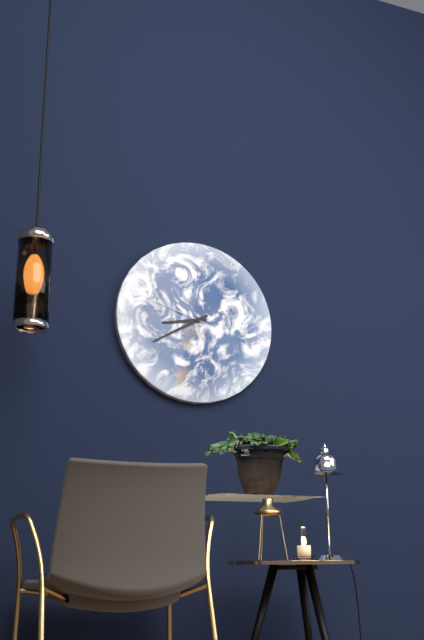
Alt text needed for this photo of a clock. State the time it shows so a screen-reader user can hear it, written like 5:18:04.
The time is 8:40:48
